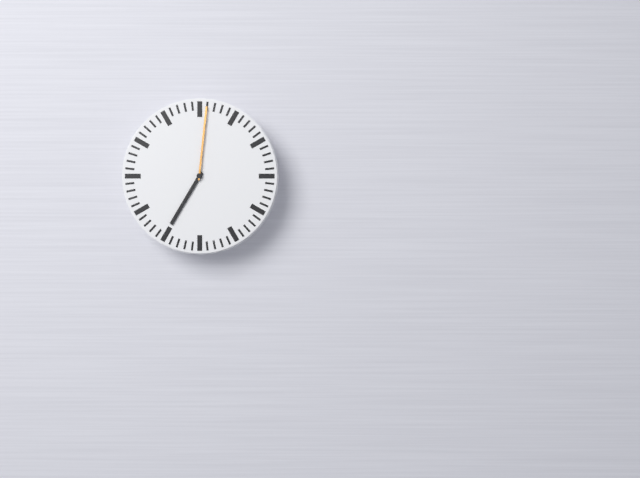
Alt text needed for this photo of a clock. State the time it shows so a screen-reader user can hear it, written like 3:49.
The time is 7:01
